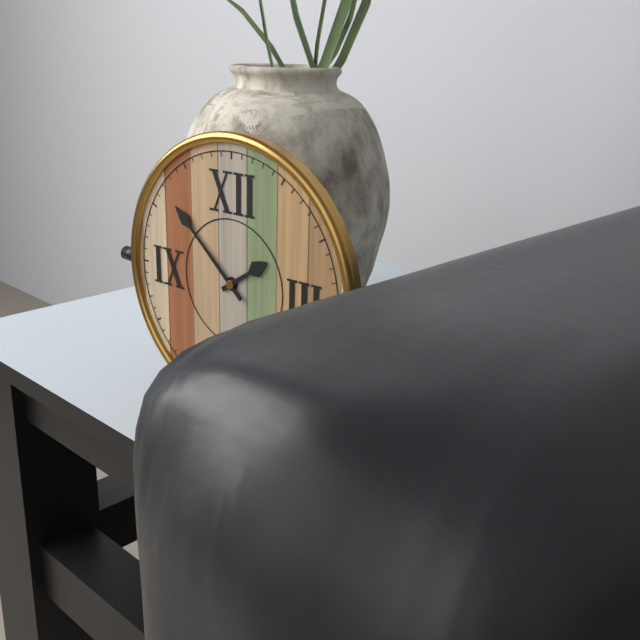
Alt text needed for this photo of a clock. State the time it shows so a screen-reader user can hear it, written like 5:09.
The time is 1:52
